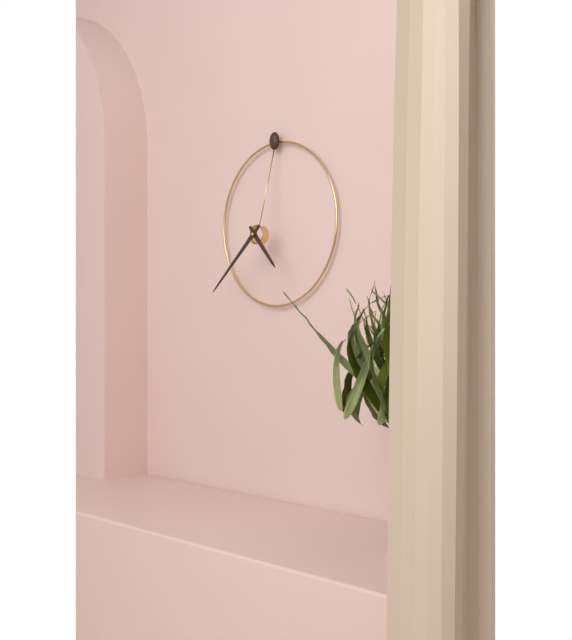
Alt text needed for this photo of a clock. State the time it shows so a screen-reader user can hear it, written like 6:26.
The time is 4:38
